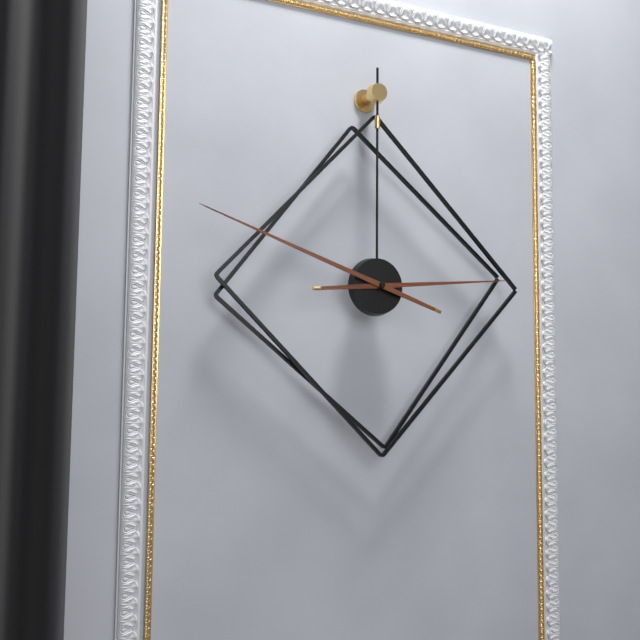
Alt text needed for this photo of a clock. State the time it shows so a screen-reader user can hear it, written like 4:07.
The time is 2:48
